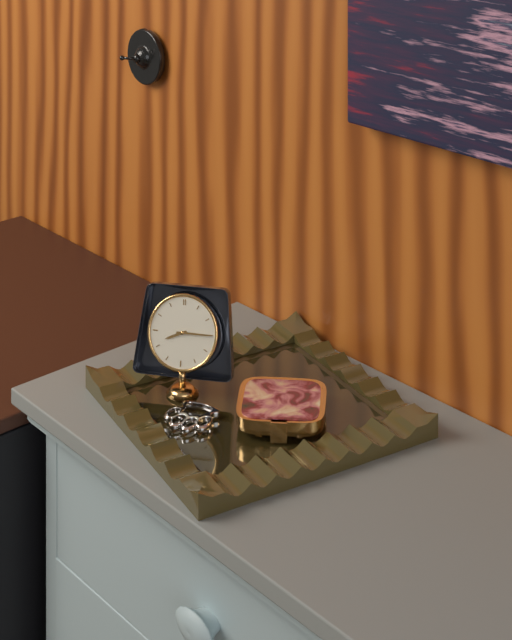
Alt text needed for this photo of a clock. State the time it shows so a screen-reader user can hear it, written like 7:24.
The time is 8:15
